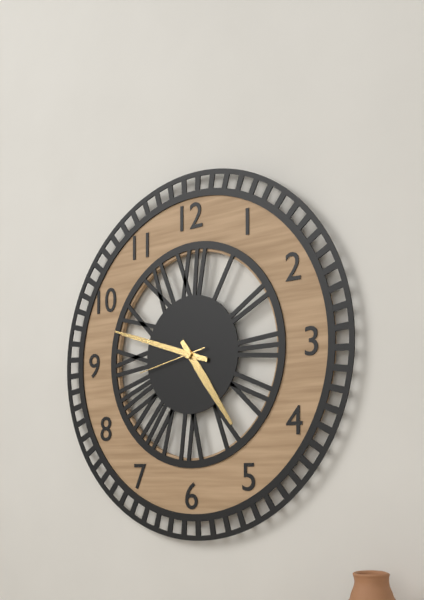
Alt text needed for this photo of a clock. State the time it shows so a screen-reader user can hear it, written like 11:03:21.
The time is 4:48:43
